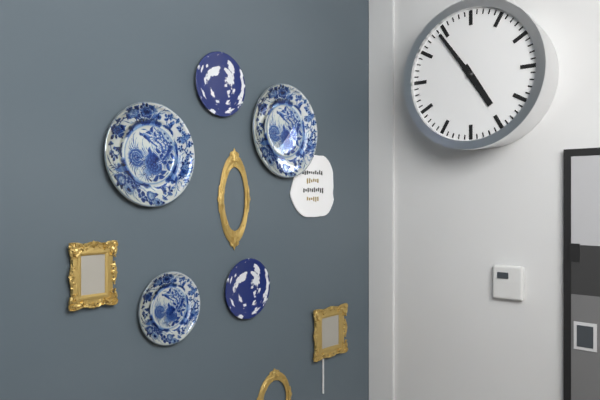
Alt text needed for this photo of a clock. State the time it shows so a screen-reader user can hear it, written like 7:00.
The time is 4:54
